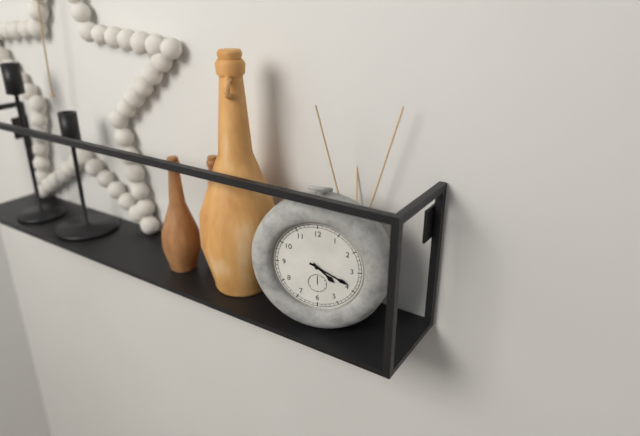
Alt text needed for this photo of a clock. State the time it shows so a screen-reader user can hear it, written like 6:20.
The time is 4:19
